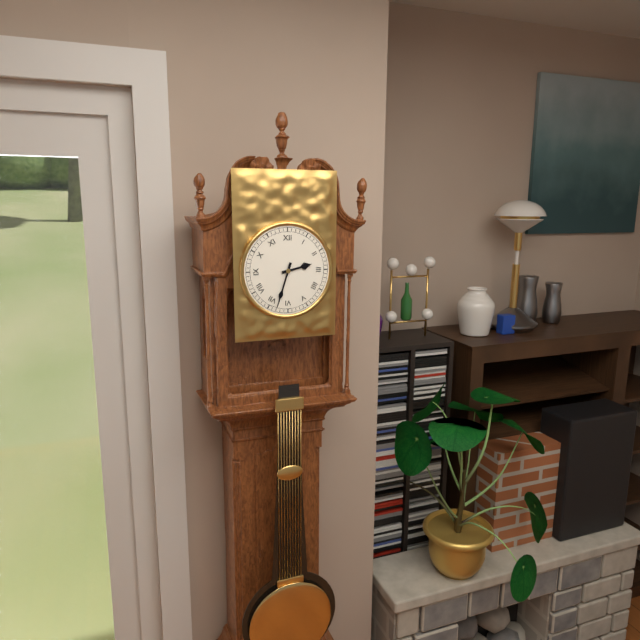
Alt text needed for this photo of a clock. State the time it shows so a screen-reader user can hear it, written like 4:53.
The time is 2:33
